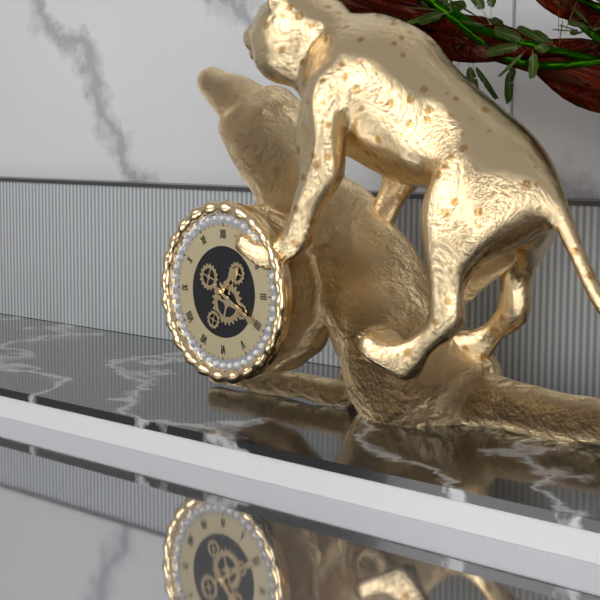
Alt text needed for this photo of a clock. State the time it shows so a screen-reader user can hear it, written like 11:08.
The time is 1:20
